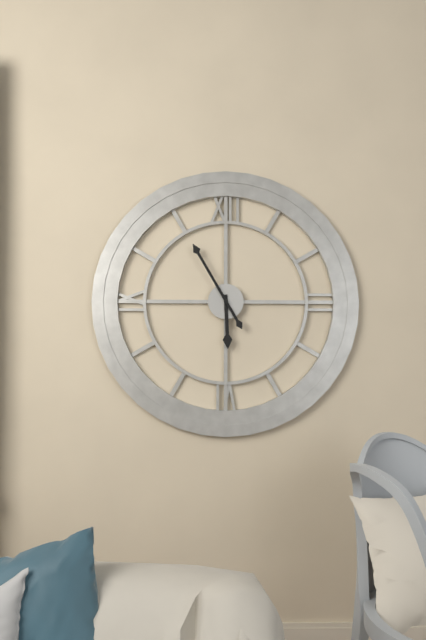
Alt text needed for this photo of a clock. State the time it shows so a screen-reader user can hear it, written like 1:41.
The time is 5:55
